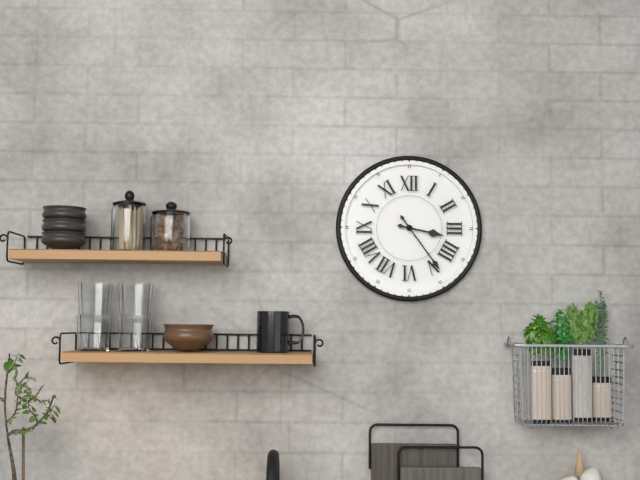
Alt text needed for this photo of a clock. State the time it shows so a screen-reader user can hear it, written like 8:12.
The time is 3:24
